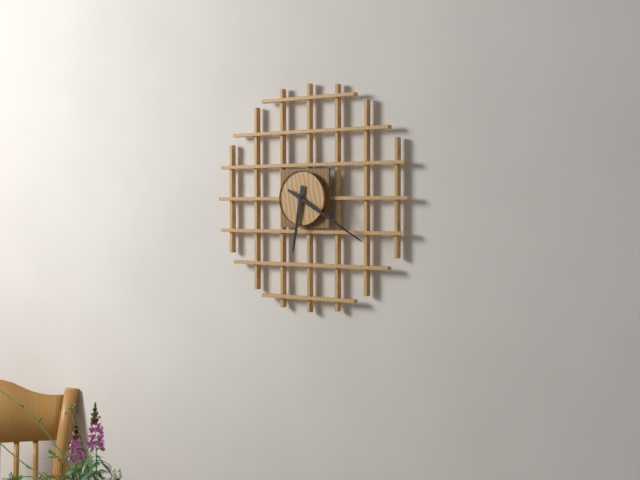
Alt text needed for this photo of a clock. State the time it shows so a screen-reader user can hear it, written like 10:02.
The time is 6:20
